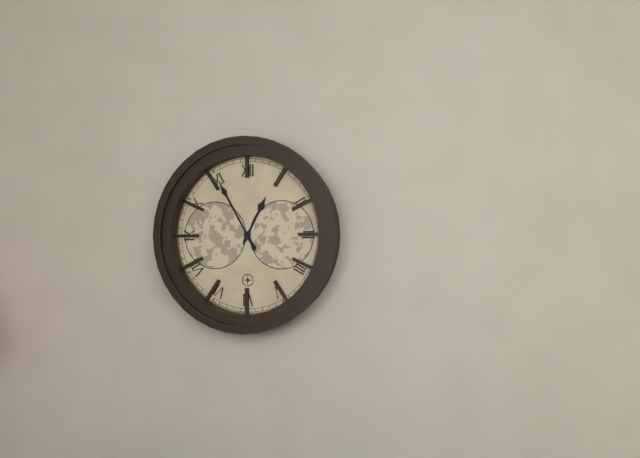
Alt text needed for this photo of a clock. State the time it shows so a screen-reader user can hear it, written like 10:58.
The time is 12:55
